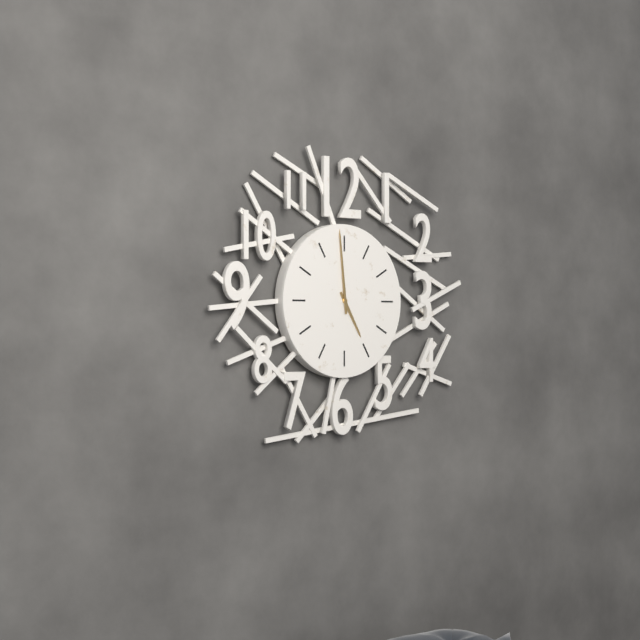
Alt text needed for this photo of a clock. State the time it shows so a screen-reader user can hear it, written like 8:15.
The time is 4:59
